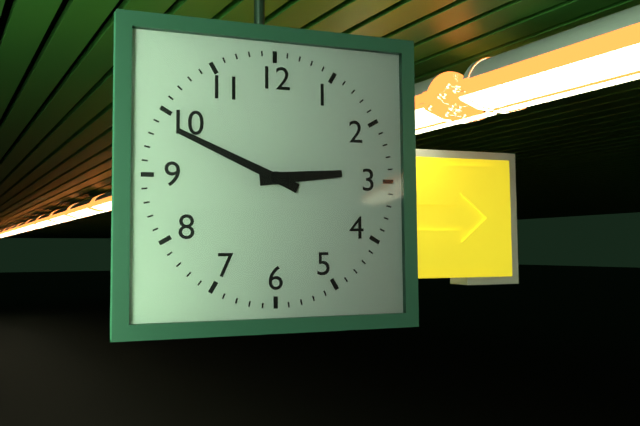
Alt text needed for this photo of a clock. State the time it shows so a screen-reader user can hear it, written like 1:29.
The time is 2:49
